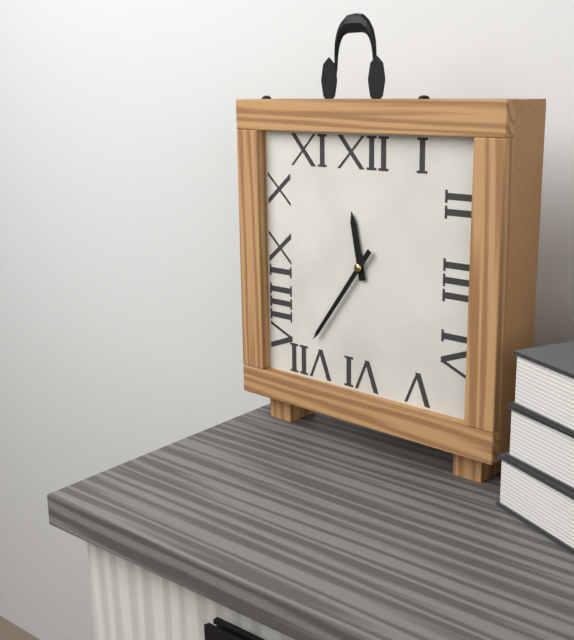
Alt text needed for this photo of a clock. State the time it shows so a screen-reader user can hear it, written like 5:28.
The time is 11:36
